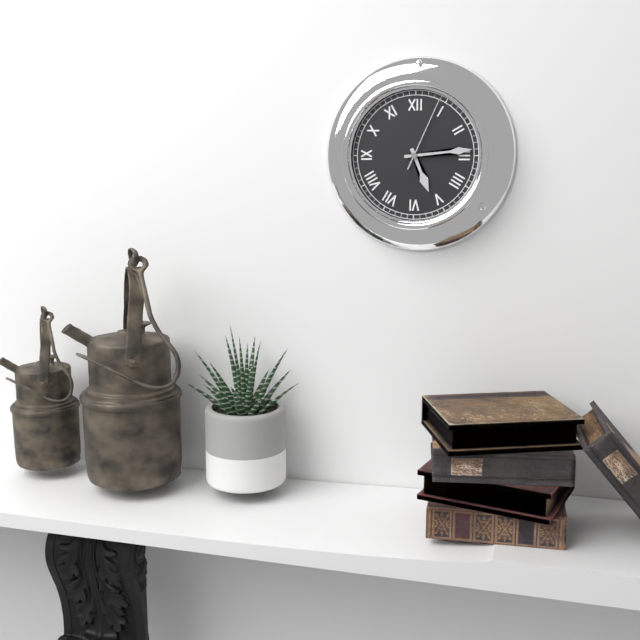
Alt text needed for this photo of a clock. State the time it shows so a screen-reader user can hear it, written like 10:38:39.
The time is 5:14:04
